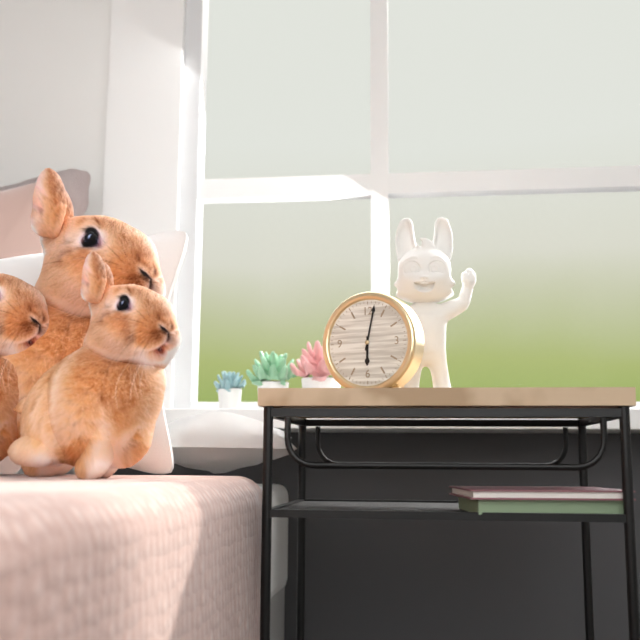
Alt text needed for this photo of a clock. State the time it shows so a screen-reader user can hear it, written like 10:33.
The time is 6:02
